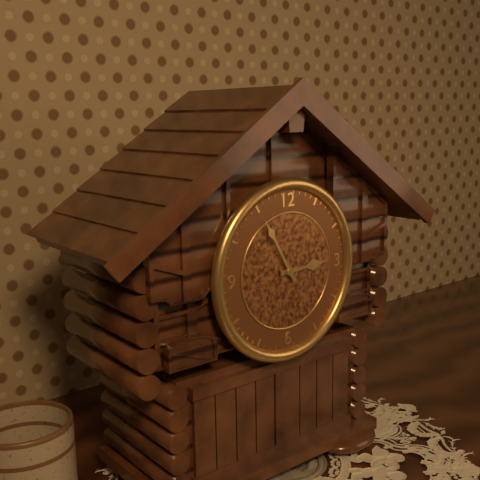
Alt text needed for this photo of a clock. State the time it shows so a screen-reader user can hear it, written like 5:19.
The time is 2:55
